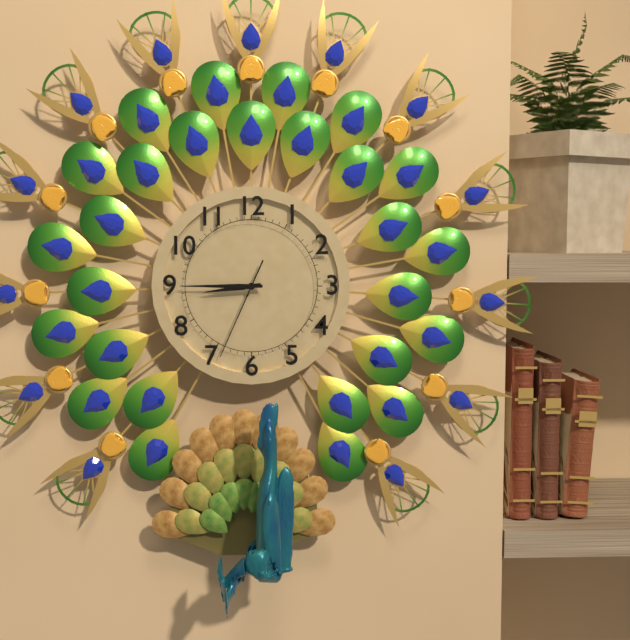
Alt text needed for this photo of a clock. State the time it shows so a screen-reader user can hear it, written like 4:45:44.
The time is 8:45:34
